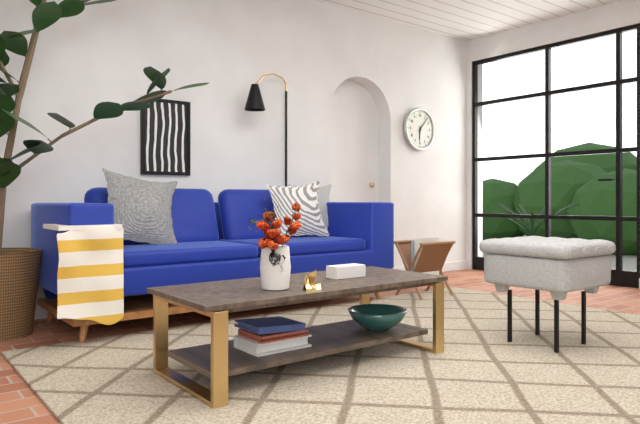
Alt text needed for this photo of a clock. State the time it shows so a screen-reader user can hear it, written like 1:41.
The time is 6:07
